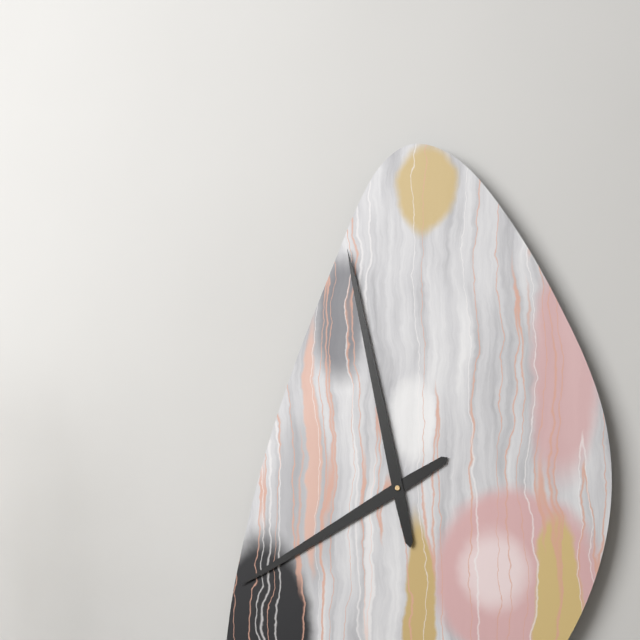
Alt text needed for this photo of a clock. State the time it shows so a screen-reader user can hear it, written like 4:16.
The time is 7:58
